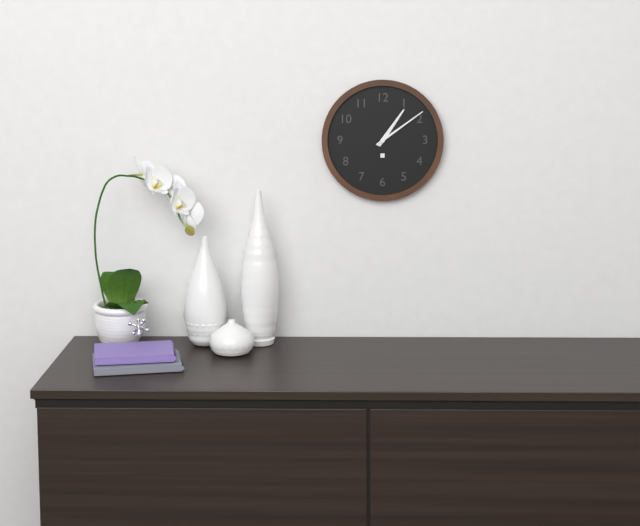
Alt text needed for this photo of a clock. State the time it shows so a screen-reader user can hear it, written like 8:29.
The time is 1:09
